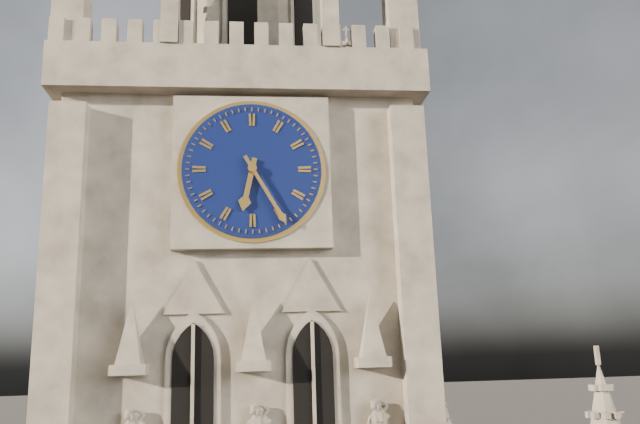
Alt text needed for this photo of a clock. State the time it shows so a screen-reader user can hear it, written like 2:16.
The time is 6:25
